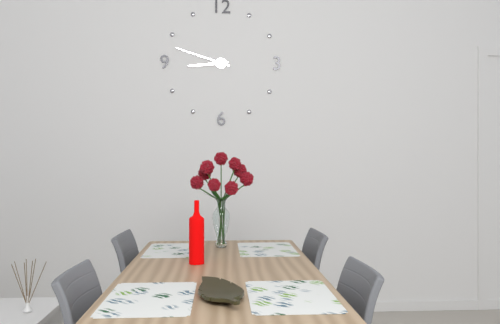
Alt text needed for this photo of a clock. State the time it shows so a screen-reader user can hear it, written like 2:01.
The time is 8:48
